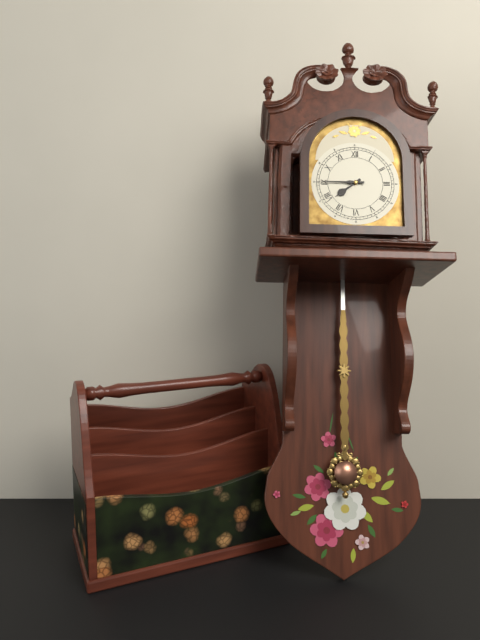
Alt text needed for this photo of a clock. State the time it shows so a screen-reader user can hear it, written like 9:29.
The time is 7:45
